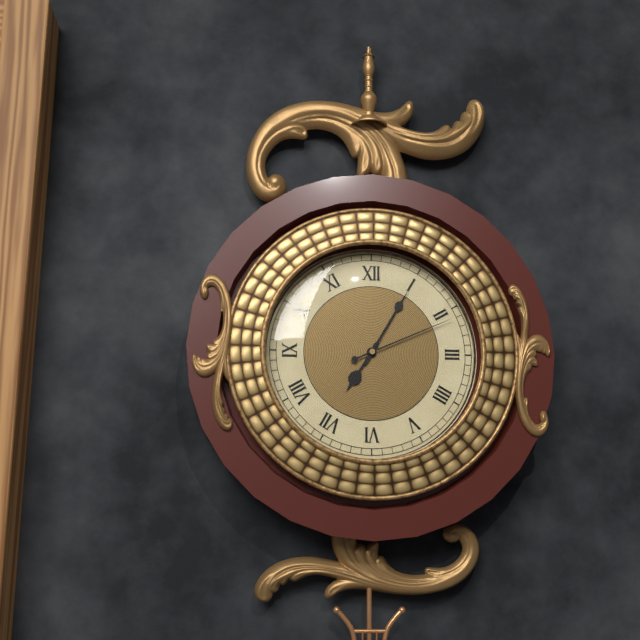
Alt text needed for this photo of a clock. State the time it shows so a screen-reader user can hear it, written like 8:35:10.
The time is 7:05:11
